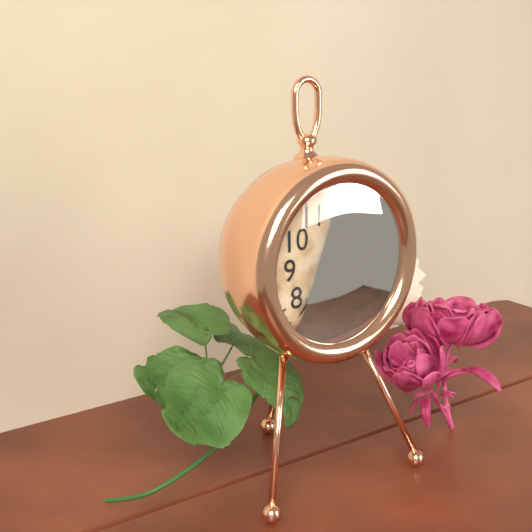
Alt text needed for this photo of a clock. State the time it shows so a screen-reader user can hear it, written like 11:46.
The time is 1:38
